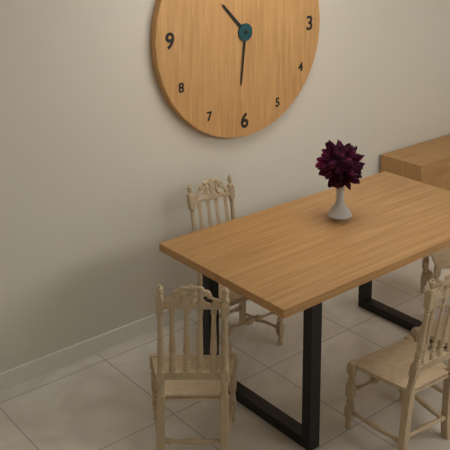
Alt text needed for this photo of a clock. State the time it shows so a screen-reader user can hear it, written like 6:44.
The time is 10:31
